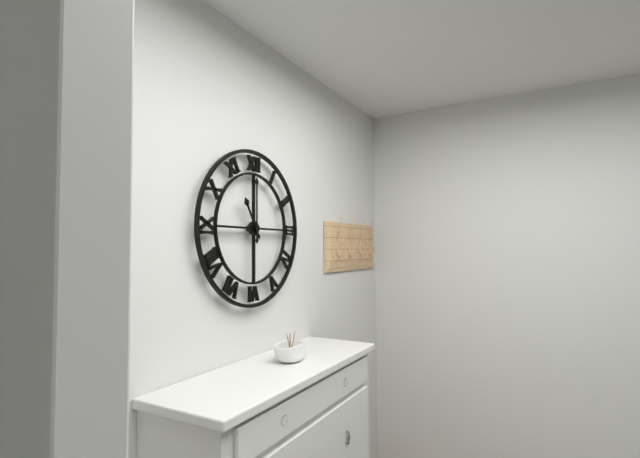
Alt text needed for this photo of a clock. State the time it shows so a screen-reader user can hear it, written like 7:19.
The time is 11:00
